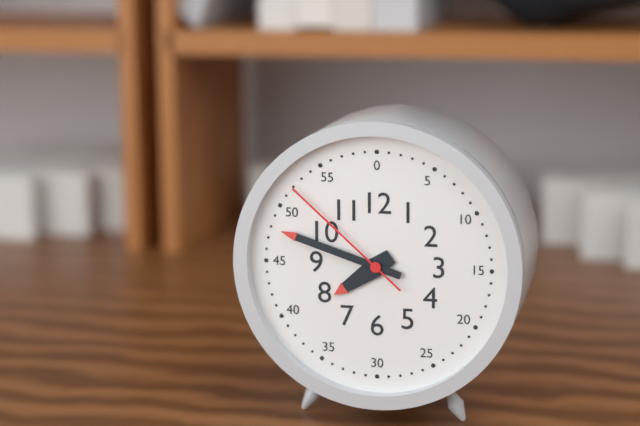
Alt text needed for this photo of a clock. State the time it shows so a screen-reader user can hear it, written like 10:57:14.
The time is 7:48:52
